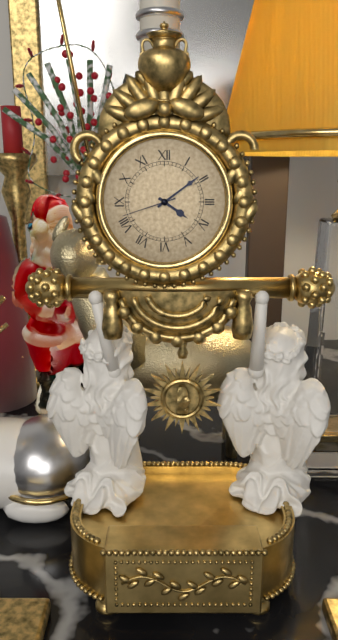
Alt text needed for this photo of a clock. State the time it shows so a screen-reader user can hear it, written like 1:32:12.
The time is 4:09:42
